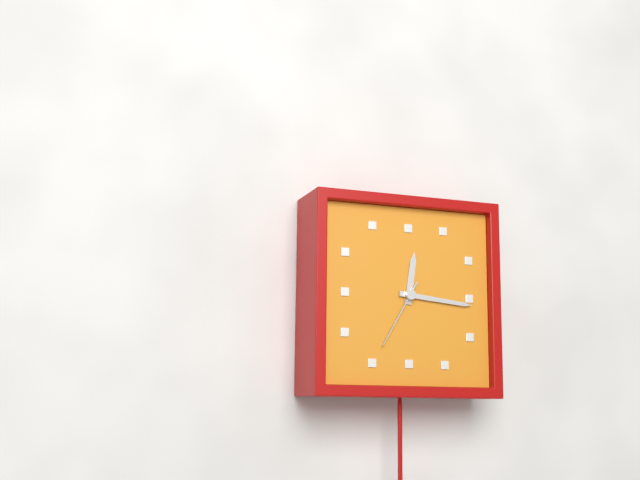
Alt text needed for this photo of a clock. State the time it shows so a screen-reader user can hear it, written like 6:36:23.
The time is 12:16:35
